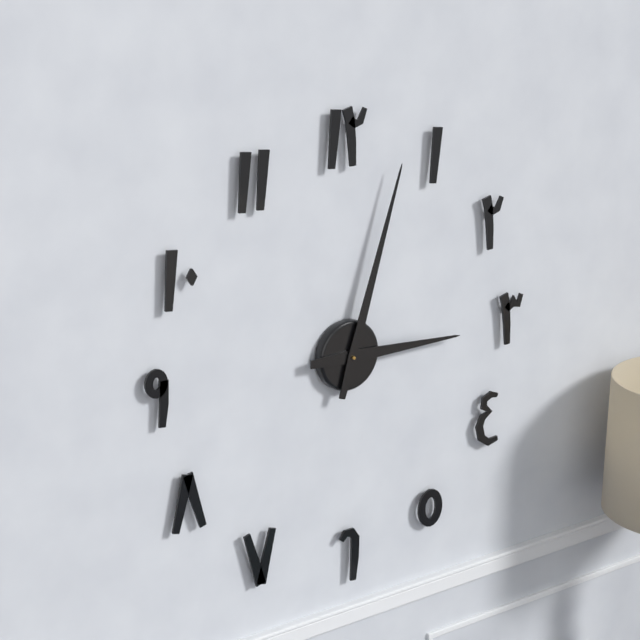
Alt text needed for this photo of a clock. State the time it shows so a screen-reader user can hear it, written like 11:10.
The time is 3:03
